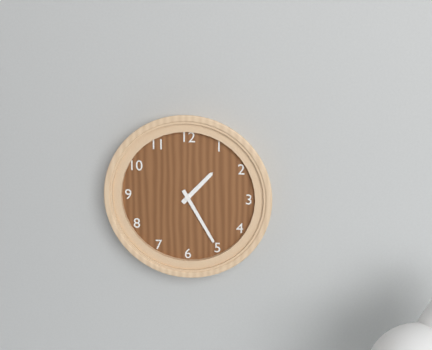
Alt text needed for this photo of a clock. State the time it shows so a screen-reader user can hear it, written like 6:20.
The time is 1:25
